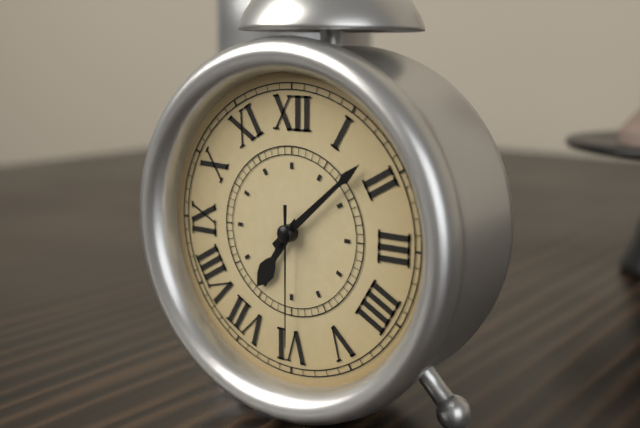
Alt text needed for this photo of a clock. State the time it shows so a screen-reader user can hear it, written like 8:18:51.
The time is 7:08:30
